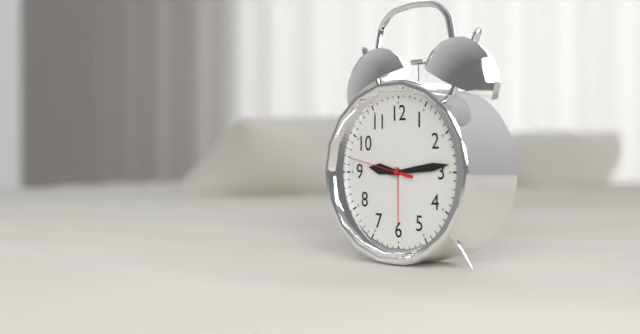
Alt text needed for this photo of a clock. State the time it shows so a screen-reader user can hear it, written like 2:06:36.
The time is 9:14:47
